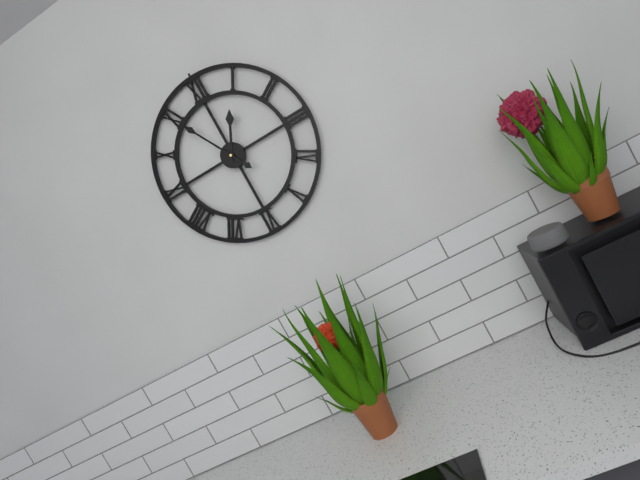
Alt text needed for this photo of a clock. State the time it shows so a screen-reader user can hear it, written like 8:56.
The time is 12:55
